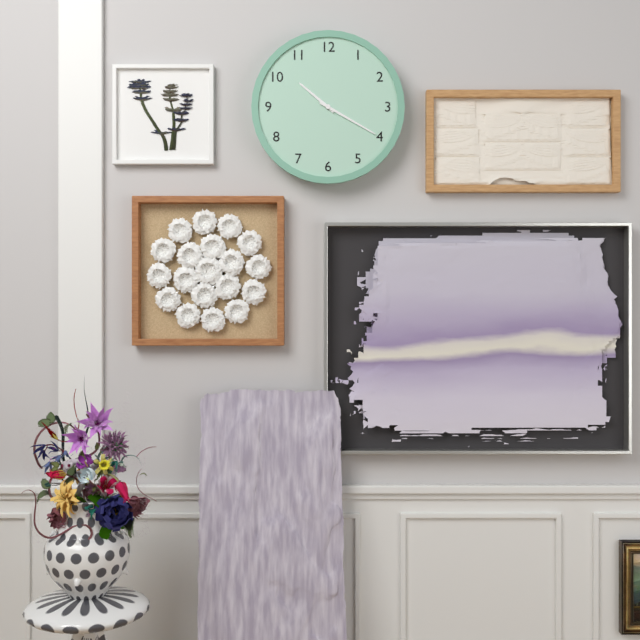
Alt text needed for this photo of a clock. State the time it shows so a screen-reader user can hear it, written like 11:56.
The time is 10:20
